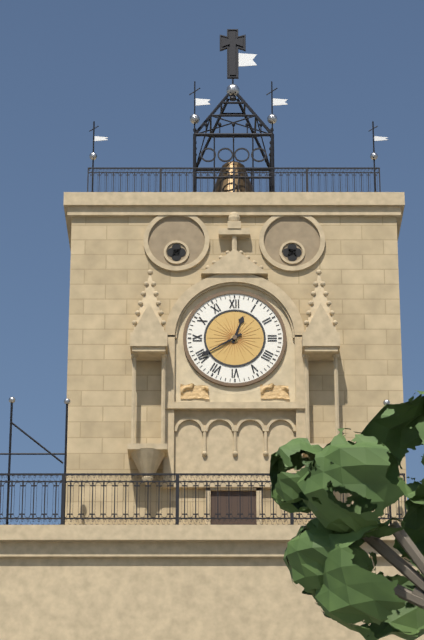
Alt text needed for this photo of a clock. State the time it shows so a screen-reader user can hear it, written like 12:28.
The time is 12:40
